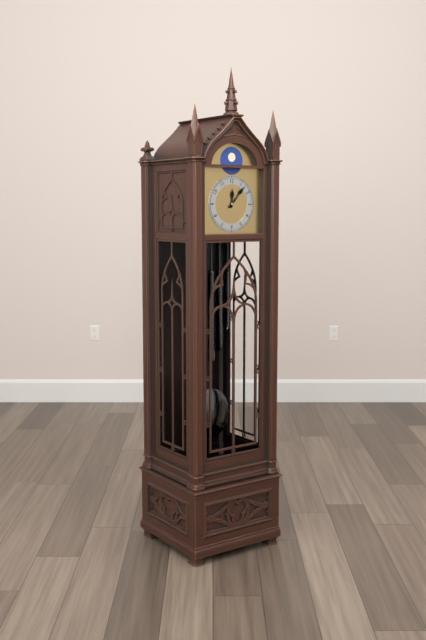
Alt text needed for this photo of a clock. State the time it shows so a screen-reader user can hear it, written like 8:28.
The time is 12:07
